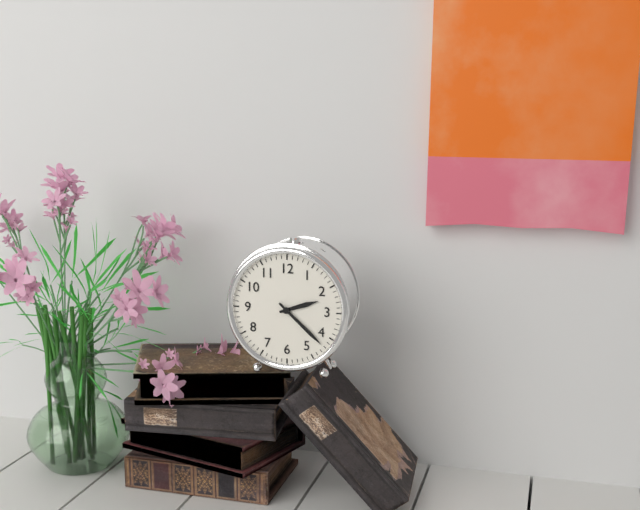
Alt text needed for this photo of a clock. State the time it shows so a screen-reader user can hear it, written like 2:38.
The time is 2:22
